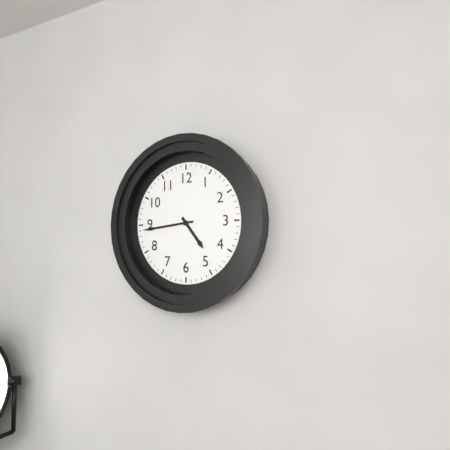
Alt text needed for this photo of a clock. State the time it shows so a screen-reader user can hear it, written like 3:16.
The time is 4:44
